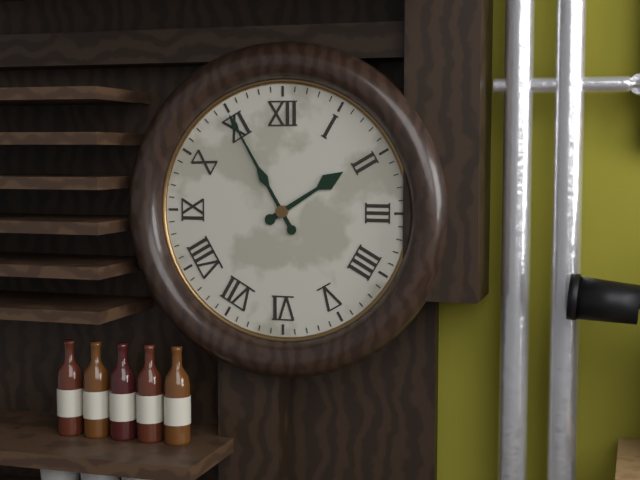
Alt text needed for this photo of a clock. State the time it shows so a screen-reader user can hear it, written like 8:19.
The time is 1:55
